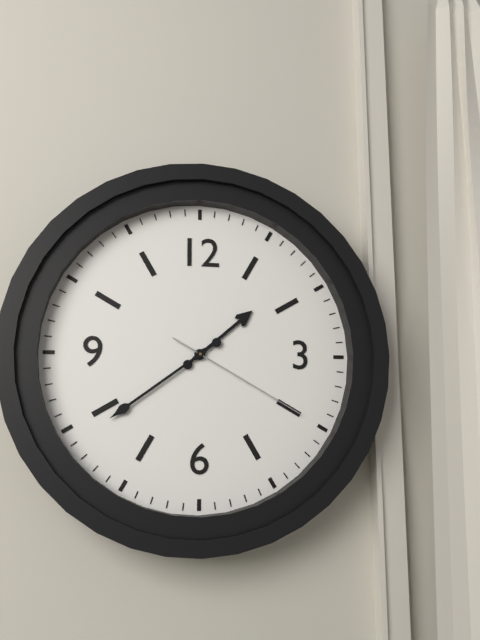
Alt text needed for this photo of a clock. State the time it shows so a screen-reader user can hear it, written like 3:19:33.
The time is 1:39:20
